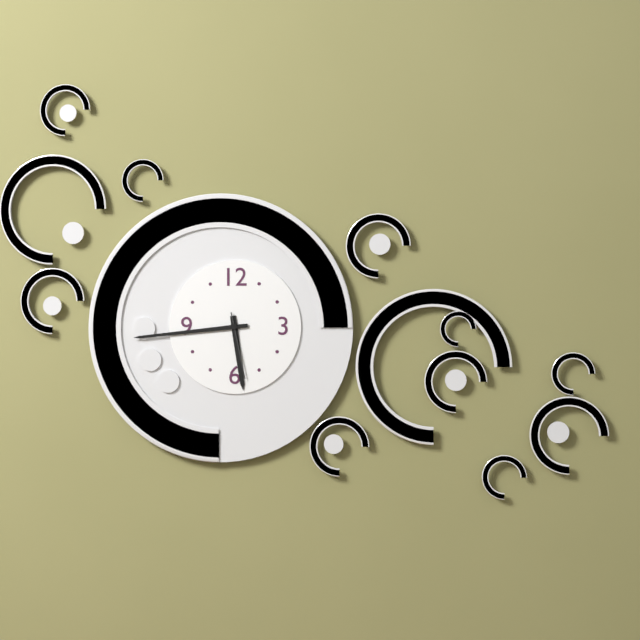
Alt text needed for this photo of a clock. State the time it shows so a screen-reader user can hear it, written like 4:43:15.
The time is 5:44:28
